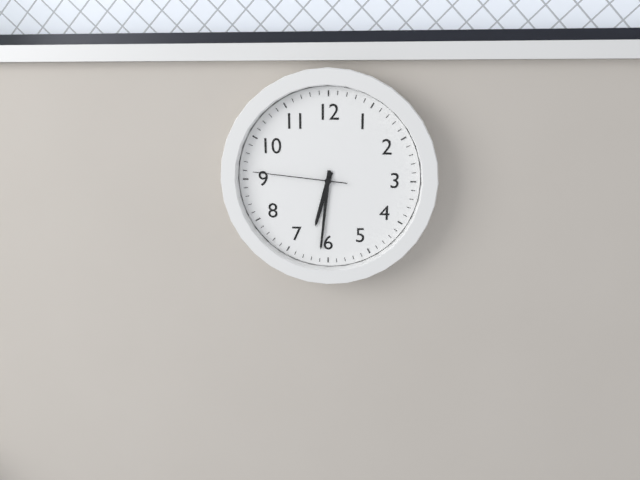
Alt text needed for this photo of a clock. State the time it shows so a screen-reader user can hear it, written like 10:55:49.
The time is 6:31:46
